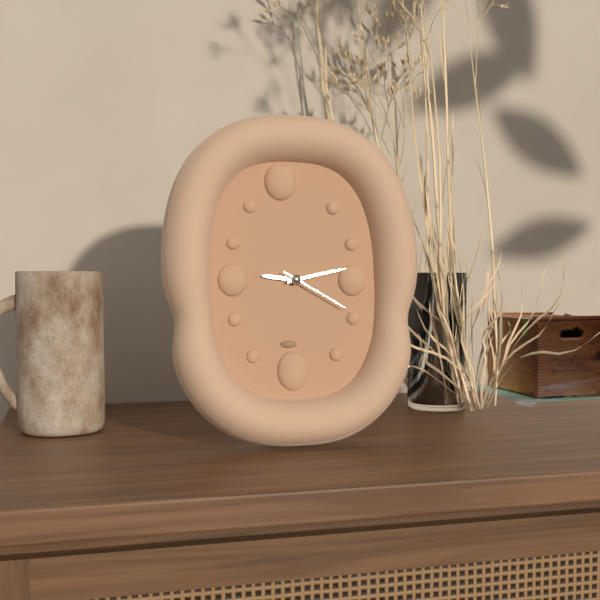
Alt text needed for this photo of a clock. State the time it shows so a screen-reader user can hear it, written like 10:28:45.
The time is 9:13:20
